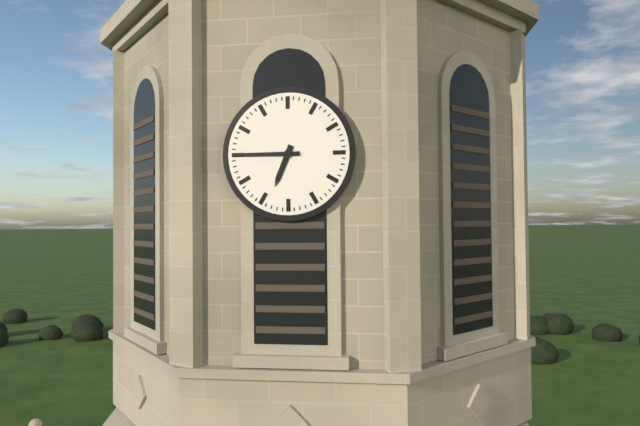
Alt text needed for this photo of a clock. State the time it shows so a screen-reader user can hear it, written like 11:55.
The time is 6:45
